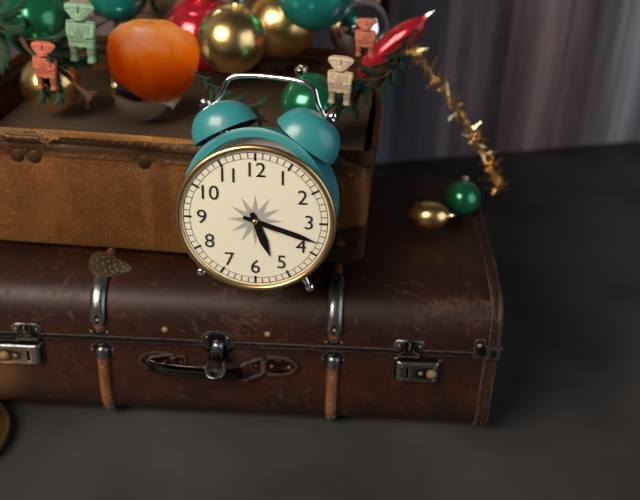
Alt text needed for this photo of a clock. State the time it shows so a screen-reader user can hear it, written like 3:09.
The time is 5:18
